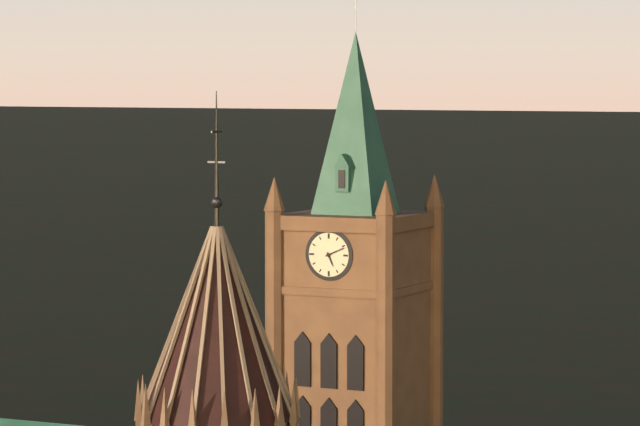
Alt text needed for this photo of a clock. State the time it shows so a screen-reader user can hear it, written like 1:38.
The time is 5:11
